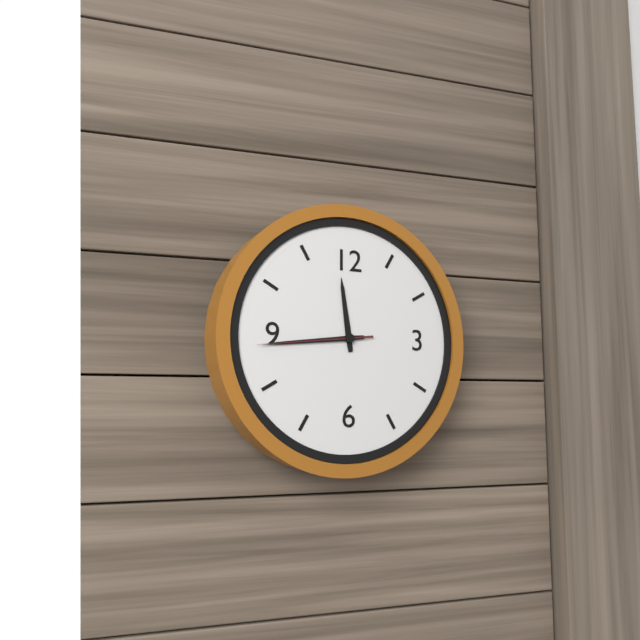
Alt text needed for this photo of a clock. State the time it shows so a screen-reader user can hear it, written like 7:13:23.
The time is 11:44:44
